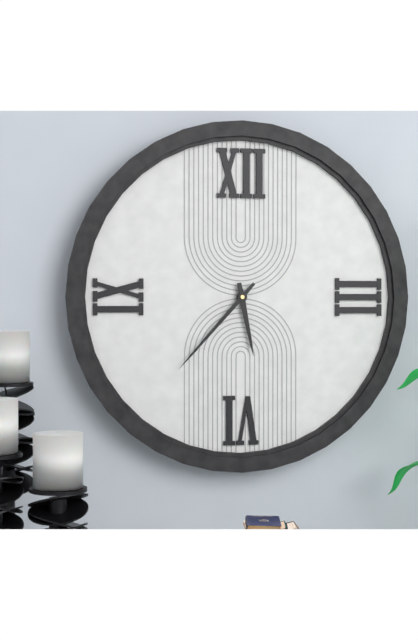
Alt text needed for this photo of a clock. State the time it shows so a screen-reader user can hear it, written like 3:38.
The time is 5:37
